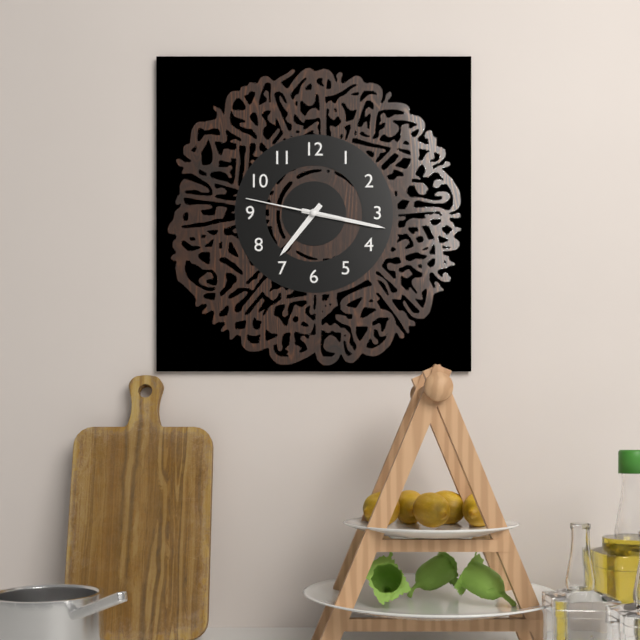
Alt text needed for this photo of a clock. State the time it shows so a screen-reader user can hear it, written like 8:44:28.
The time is 7:17:47
